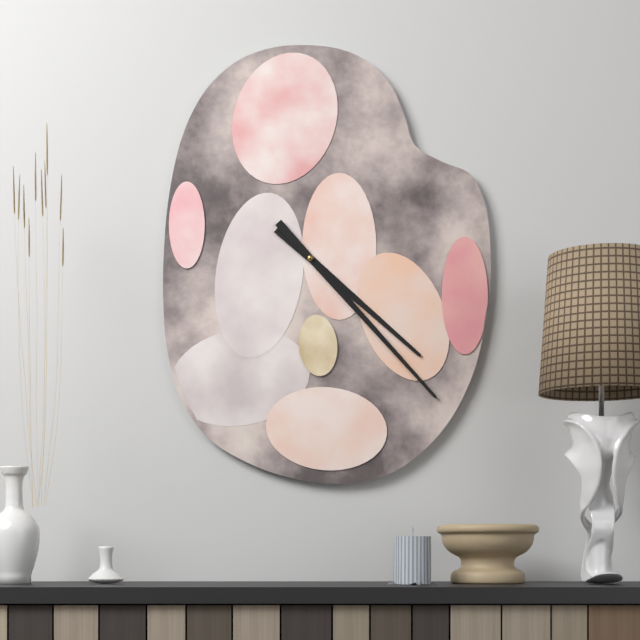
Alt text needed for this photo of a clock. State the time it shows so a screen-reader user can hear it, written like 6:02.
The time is 4:23
